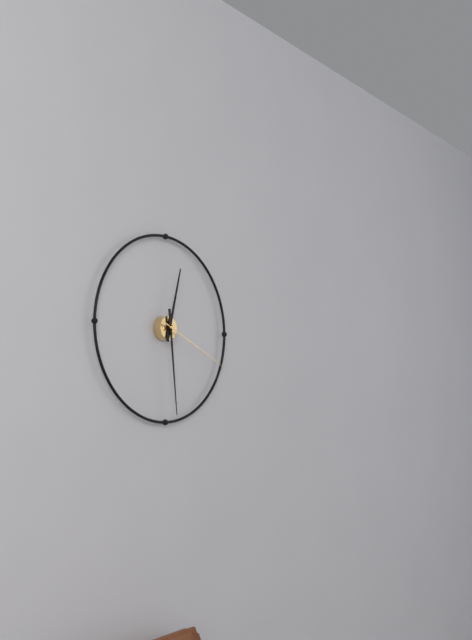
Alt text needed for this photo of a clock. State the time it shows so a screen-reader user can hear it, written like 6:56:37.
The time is 12:29:19
